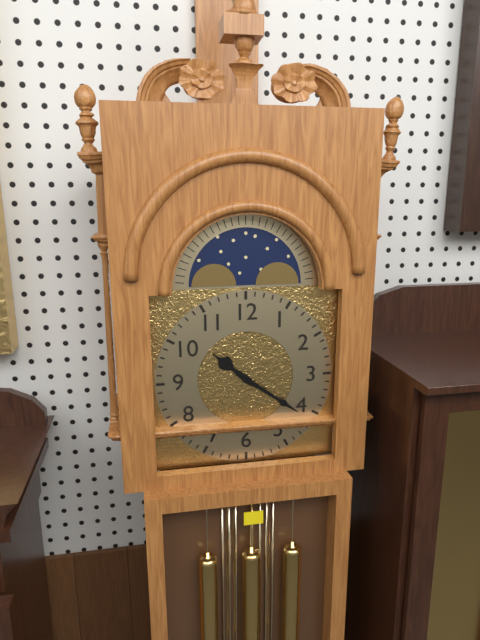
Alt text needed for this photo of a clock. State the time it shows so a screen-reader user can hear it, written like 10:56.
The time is 10:21
